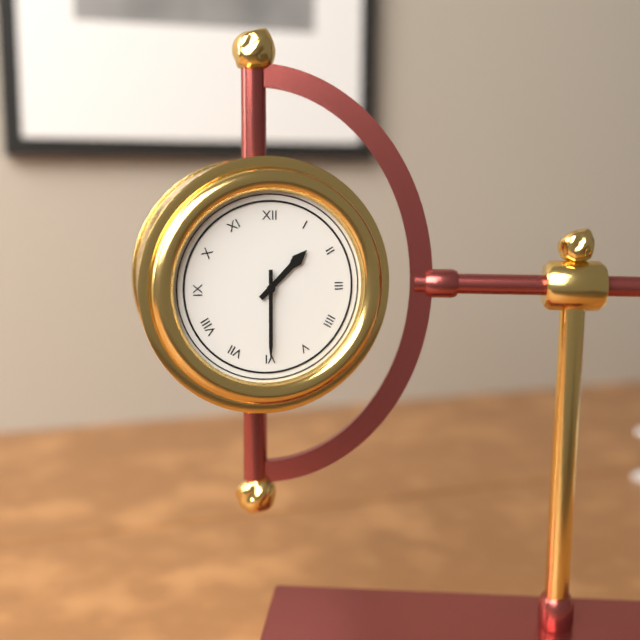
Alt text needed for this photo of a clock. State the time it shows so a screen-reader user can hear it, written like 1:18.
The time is 1:30
